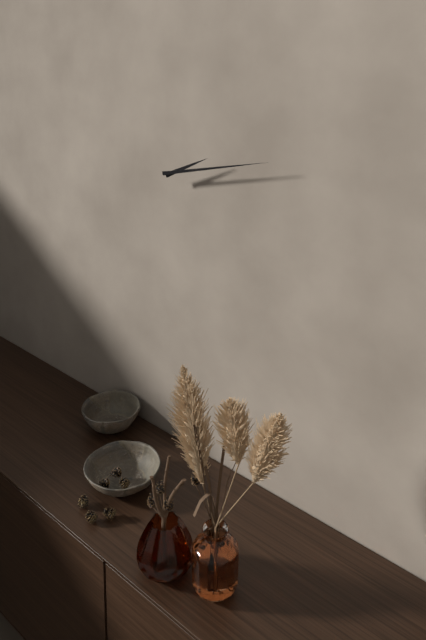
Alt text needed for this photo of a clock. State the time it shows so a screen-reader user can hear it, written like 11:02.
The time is 2:13
